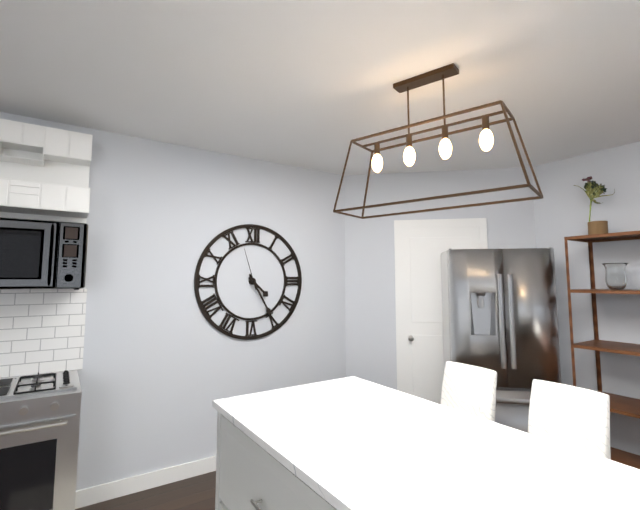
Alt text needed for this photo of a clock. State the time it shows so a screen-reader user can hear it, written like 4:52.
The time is 4:25
